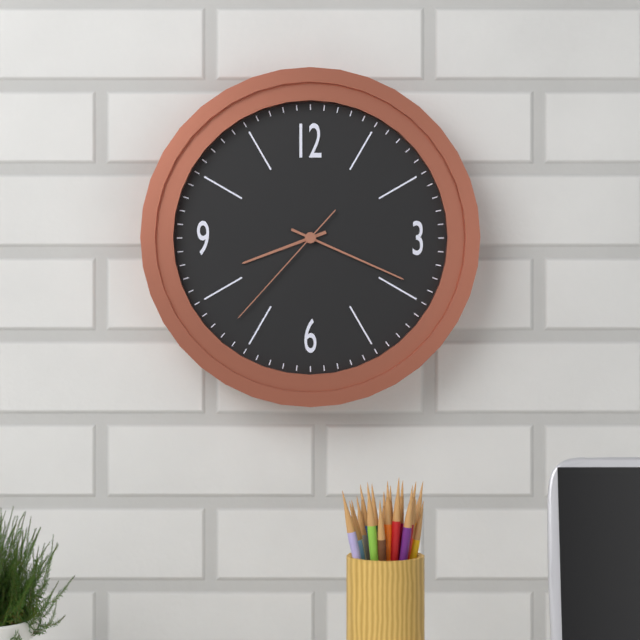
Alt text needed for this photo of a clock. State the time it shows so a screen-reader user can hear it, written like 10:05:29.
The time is 8:19:37
